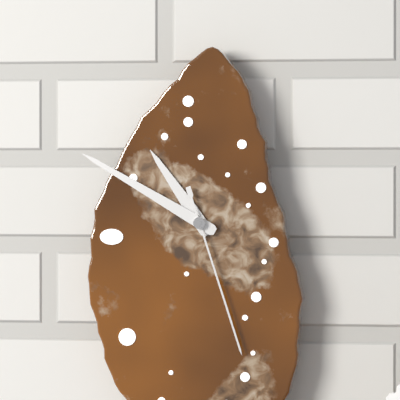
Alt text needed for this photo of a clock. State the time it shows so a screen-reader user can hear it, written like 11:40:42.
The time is 10:50:27
